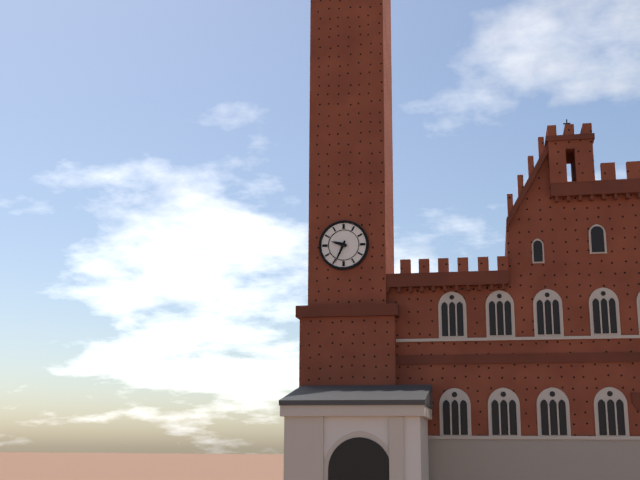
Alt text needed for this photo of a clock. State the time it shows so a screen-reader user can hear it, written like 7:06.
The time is 9:34
